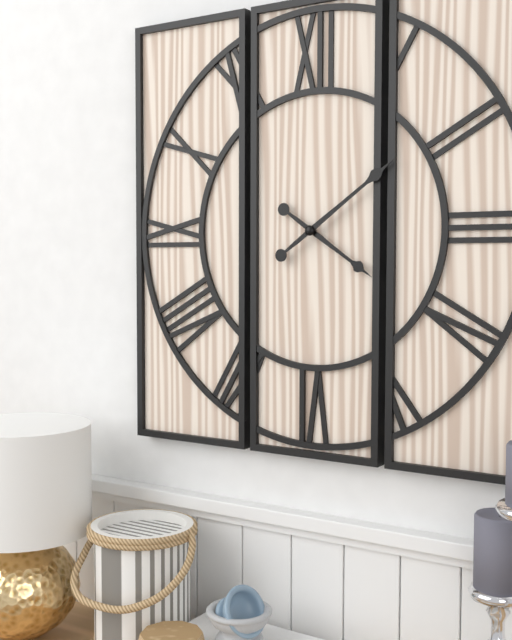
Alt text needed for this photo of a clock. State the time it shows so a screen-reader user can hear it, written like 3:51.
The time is 4:09
